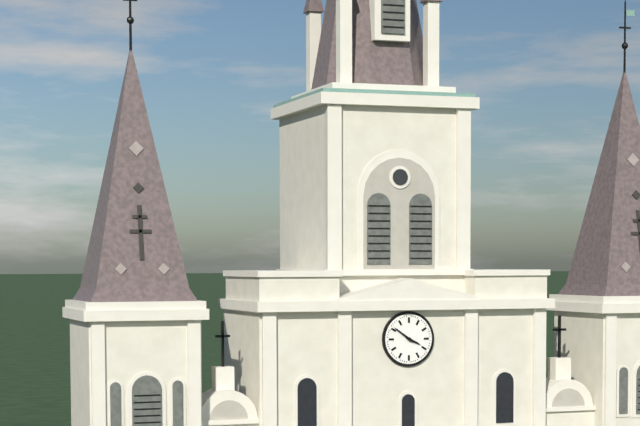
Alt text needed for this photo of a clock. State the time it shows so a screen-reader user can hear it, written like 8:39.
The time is 3:51
